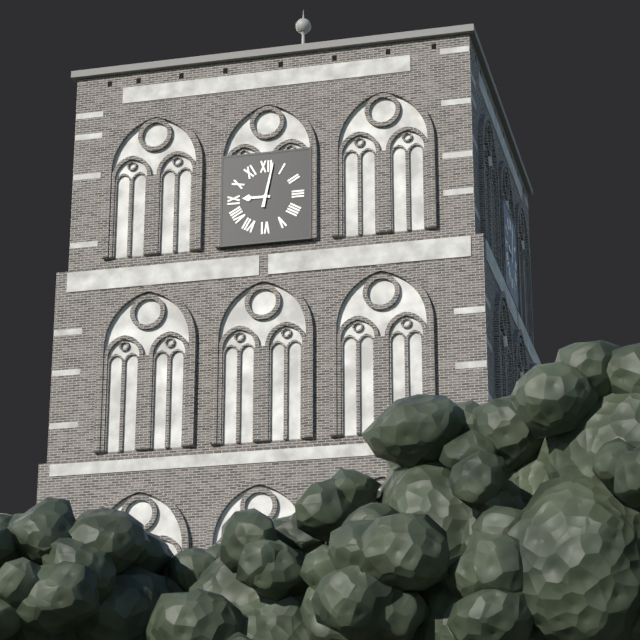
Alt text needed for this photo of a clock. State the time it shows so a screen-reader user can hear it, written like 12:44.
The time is 9:02
